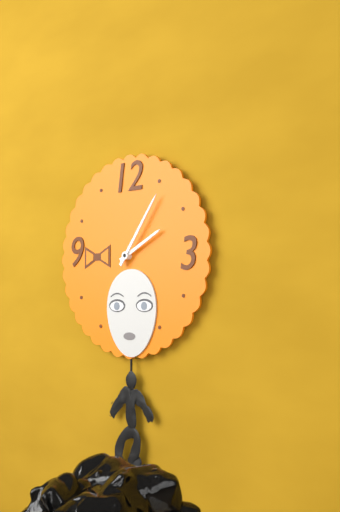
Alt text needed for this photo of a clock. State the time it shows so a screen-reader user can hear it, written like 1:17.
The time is 2:06
